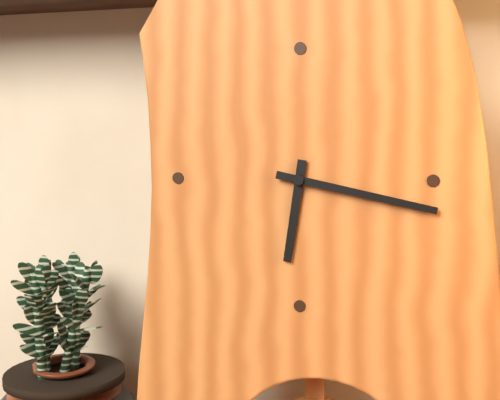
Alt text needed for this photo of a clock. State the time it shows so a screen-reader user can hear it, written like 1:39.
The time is 6:17
